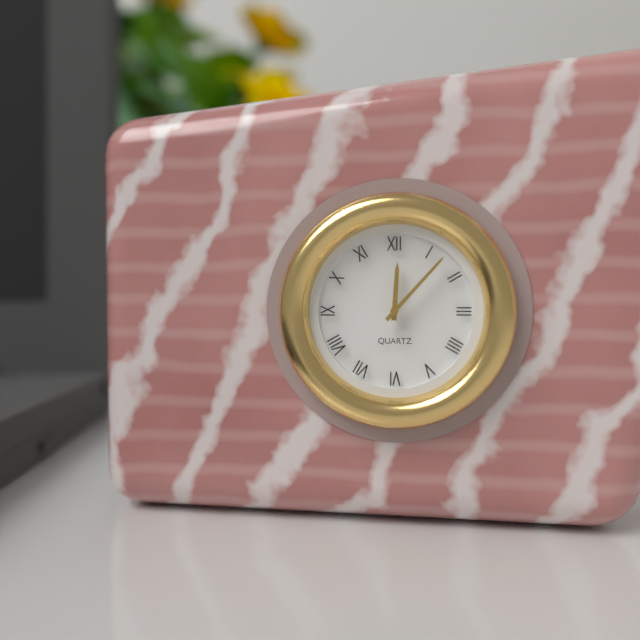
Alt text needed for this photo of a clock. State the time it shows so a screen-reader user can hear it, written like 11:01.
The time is 12:07
